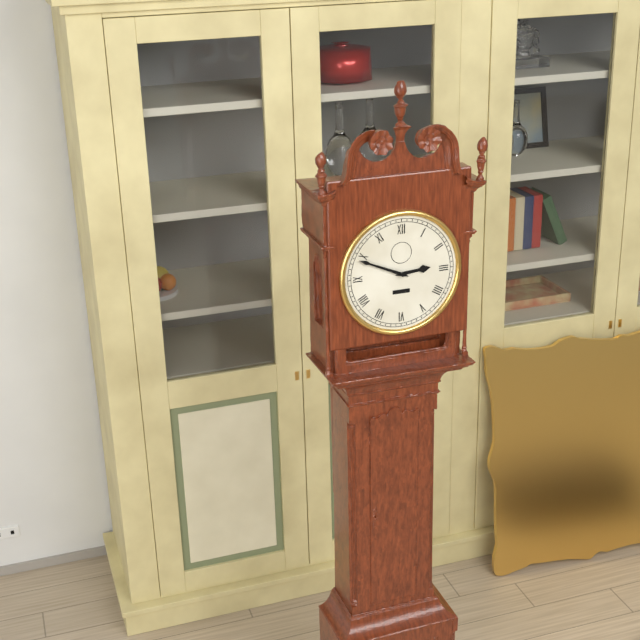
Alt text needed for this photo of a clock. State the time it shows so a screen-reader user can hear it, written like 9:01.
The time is 2:49
